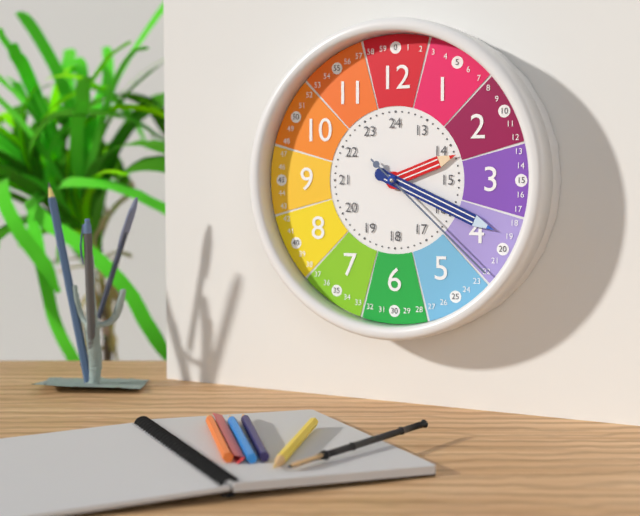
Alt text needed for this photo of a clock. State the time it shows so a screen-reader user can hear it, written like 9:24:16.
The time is 2:19:22
